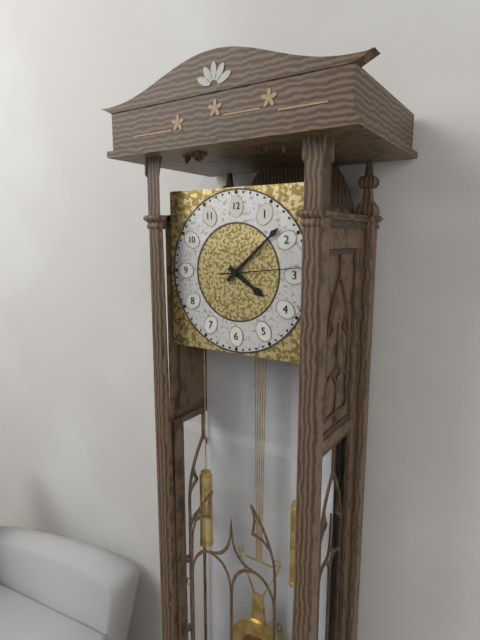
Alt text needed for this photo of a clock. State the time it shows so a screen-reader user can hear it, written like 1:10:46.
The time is 4:08:14
